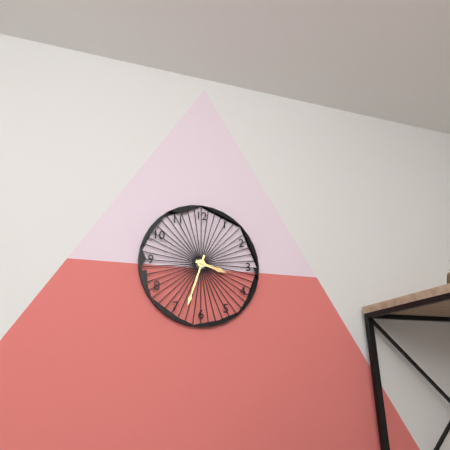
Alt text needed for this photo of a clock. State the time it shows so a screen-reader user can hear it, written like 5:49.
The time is 3:33
